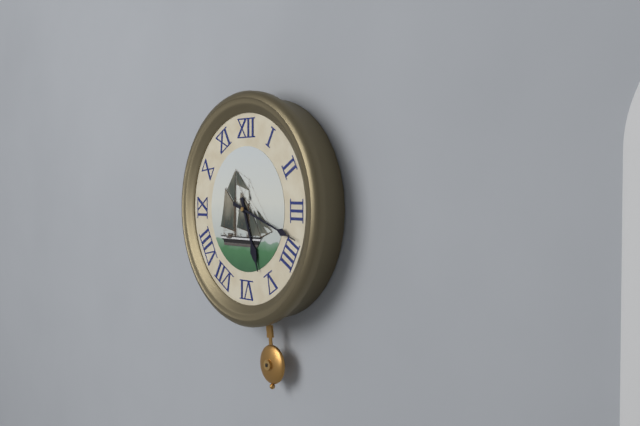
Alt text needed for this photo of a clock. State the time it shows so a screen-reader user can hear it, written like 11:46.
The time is 5:18
